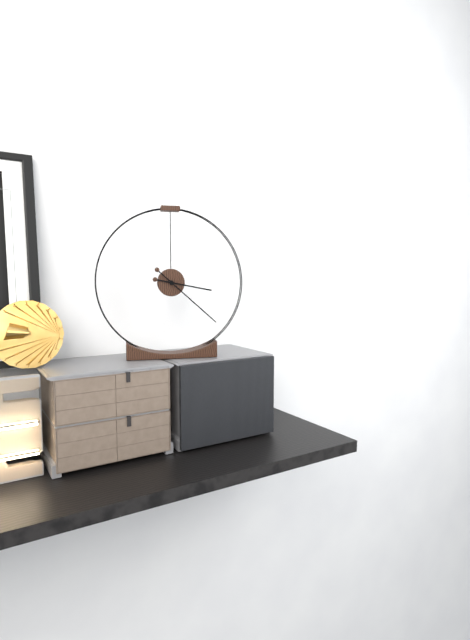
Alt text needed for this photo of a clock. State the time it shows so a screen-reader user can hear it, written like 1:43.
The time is 3:22
